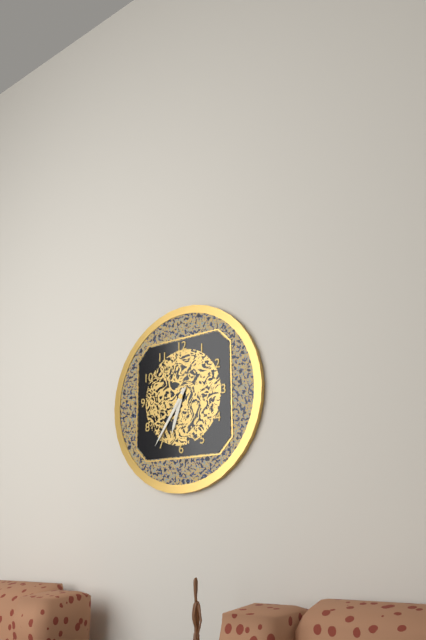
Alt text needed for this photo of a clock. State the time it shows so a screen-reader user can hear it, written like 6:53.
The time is 6:36
